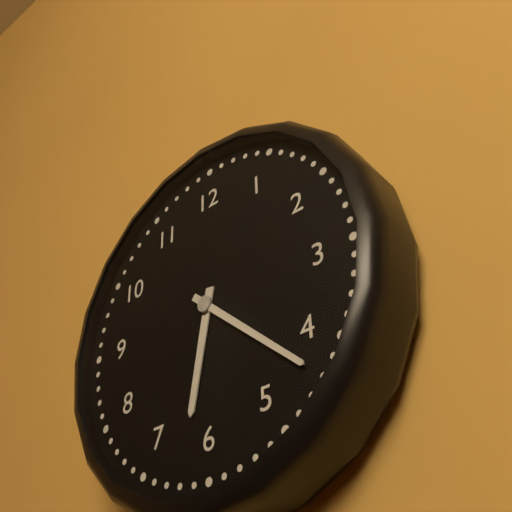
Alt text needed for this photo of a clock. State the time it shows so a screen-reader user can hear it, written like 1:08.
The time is 6:22
